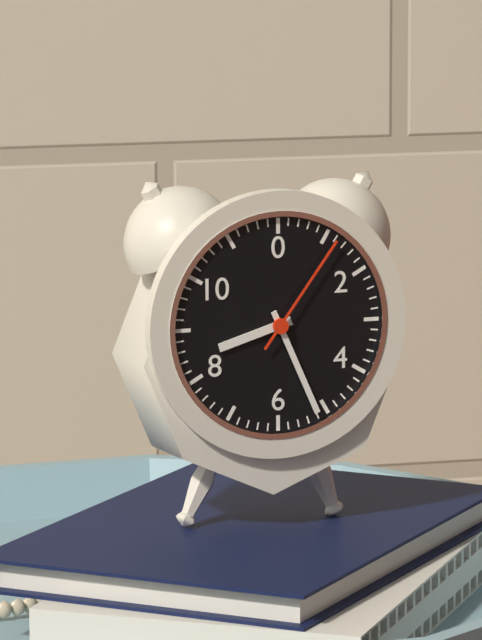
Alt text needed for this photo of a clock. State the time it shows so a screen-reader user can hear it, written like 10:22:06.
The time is 8:26:06
